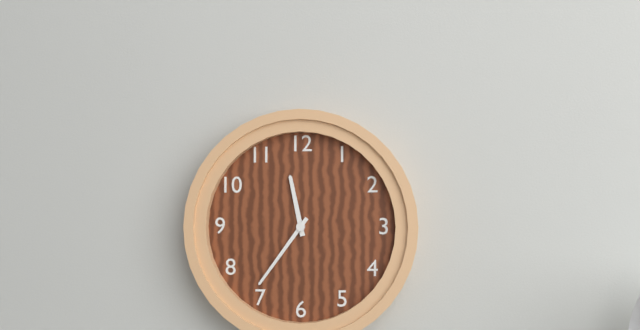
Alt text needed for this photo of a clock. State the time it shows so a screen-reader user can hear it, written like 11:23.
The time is 11:36
